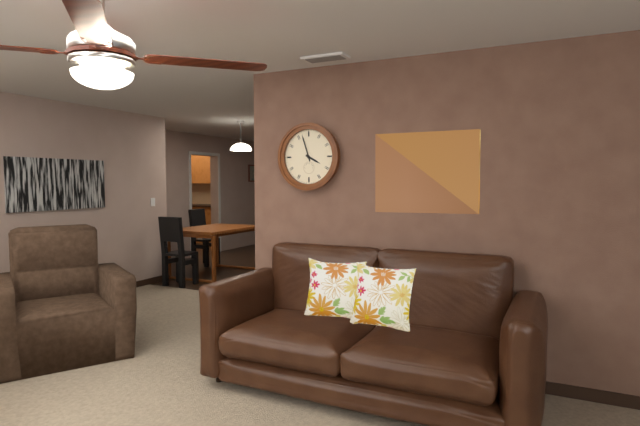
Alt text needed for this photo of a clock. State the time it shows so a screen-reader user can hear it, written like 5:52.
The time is 3:57
